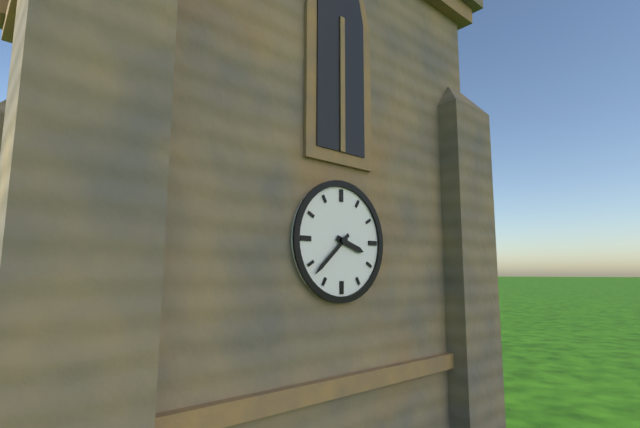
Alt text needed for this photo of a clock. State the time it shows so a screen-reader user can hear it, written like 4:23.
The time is 3:38
